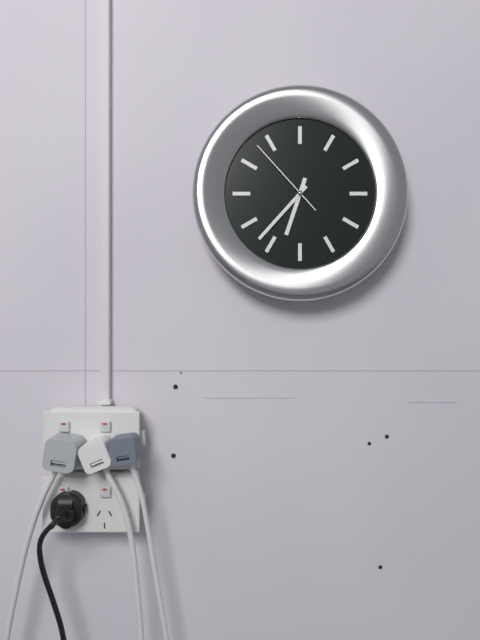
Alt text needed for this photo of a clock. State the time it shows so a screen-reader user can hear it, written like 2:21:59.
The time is 6:37:53
